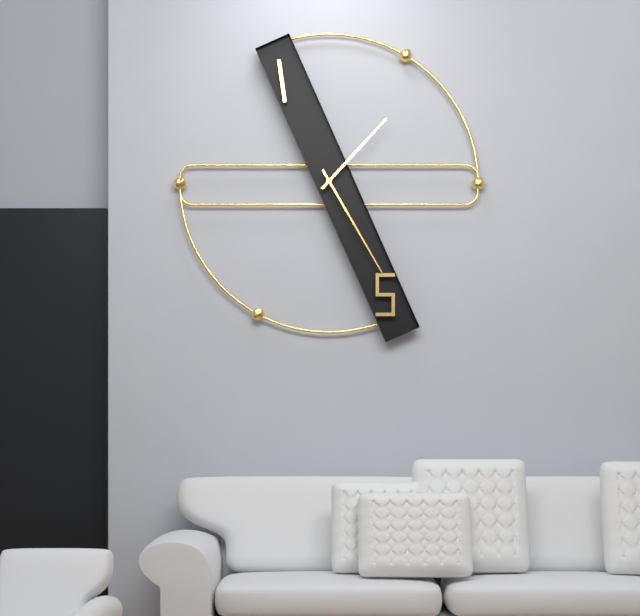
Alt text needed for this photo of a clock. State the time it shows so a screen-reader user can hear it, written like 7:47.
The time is 1:25
